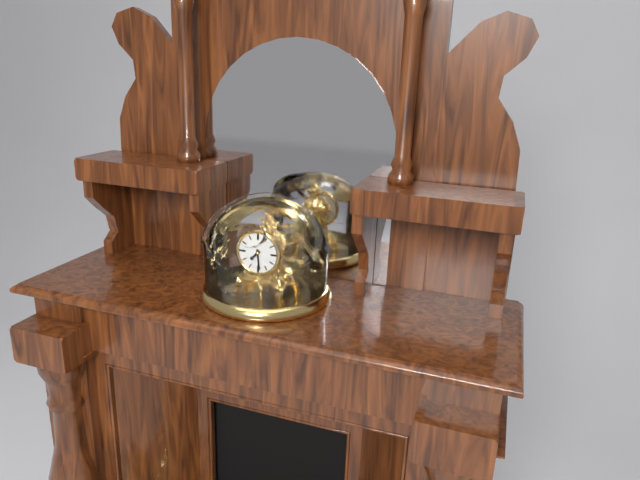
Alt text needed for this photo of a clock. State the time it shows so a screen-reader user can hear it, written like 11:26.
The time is 7:29
